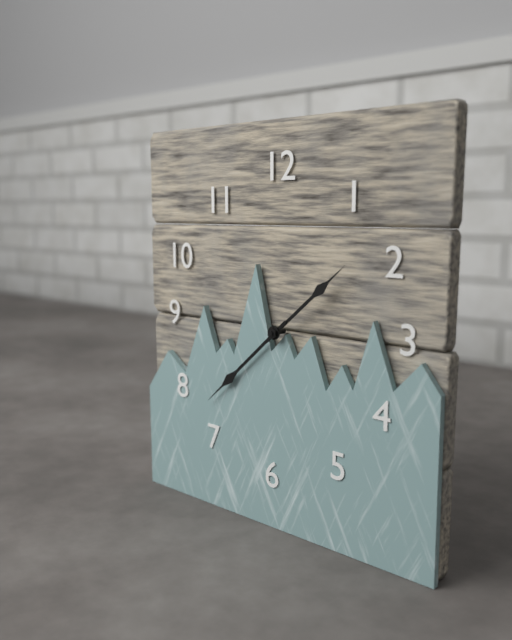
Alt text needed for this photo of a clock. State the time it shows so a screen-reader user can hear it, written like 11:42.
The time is 1:38
